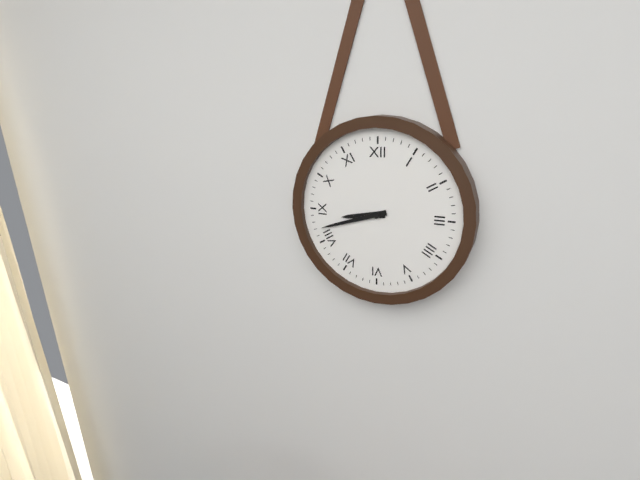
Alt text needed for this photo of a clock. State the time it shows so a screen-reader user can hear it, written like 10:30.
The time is 8:42
